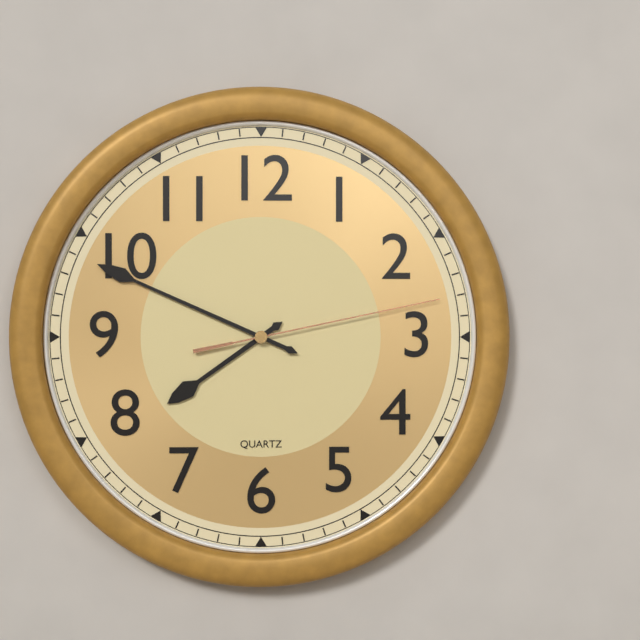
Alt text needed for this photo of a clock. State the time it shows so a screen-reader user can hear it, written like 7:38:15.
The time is 7:49:13
